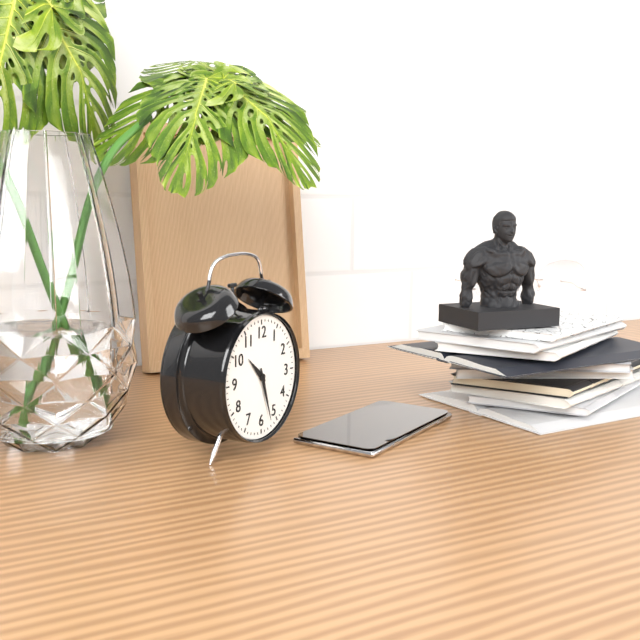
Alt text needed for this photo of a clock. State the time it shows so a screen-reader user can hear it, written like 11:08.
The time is 10:27
